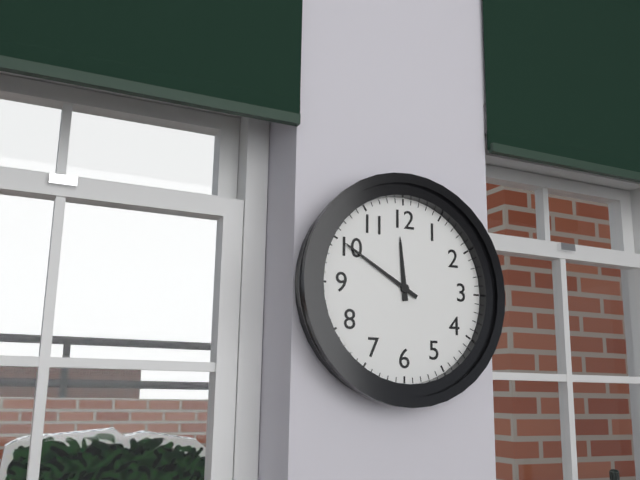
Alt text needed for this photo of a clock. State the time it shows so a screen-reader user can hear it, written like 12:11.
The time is 11:50
